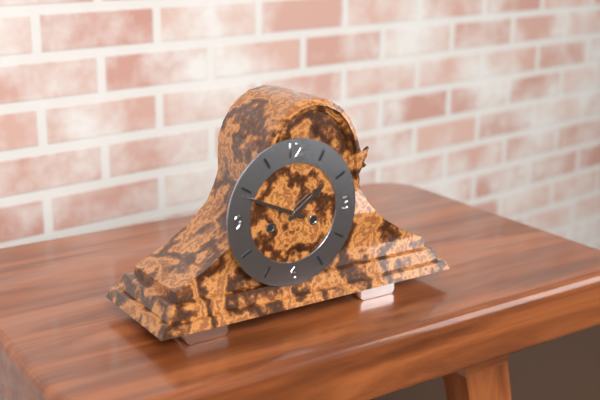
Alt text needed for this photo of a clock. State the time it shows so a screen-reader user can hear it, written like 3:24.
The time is 1:49
